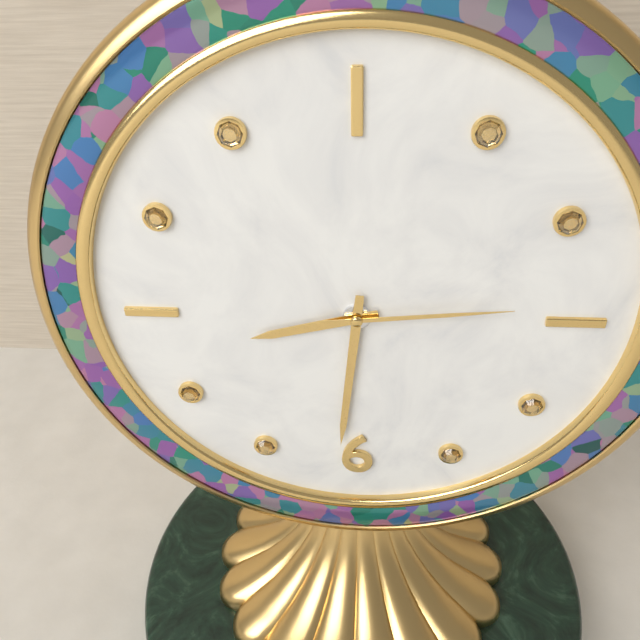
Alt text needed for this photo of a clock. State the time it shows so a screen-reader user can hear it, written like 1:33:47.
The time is 8:31:14
